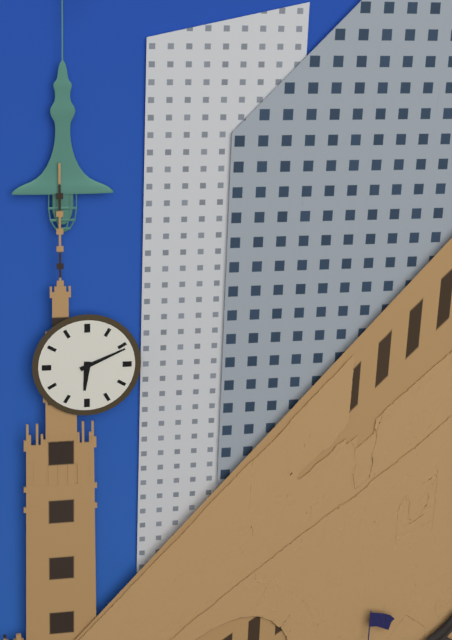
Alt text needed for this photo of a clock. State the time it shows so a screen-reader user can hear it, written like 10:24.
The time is 6:11
